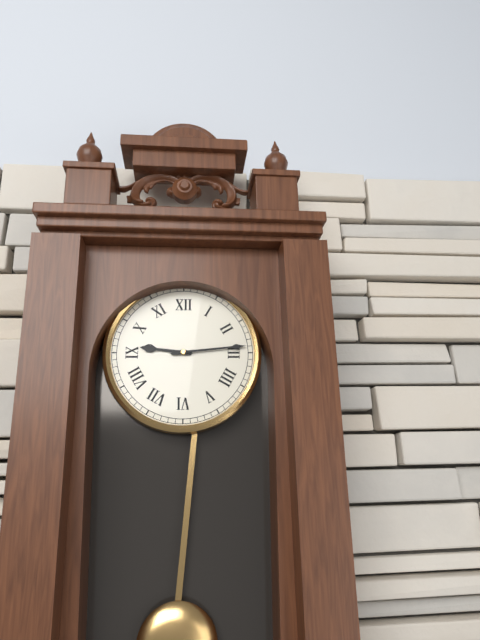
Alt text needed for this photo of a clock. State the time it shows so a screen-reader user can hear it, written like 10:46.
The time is 9:14
